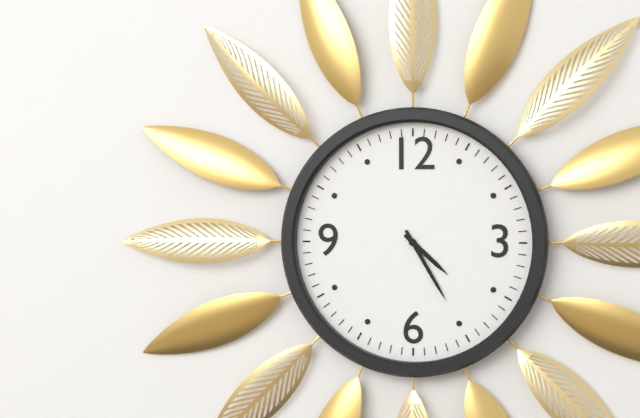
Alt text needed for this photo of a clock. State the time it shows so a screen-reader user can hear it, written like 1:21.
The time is 4:25
